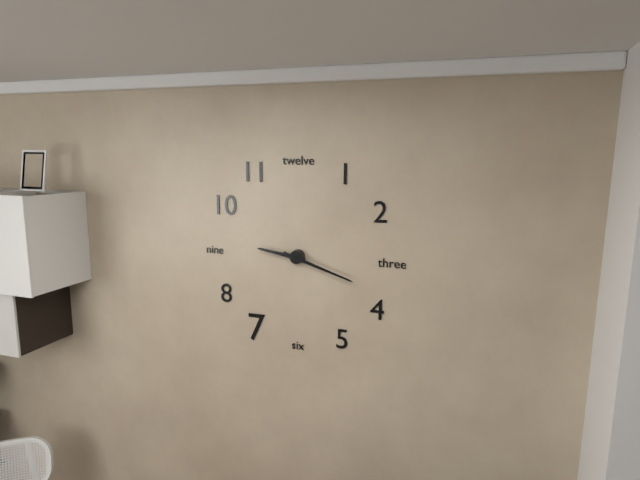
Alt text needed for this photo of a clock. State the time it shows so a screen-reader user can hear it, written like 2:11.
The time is 9:18
